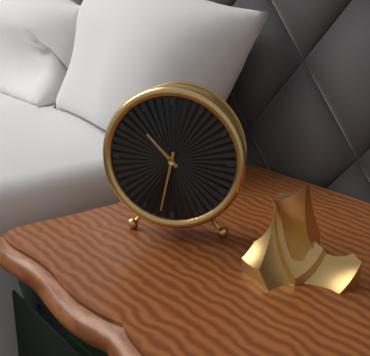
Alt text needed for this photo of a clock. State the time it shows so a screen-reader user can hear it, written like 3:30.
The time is 10:32
